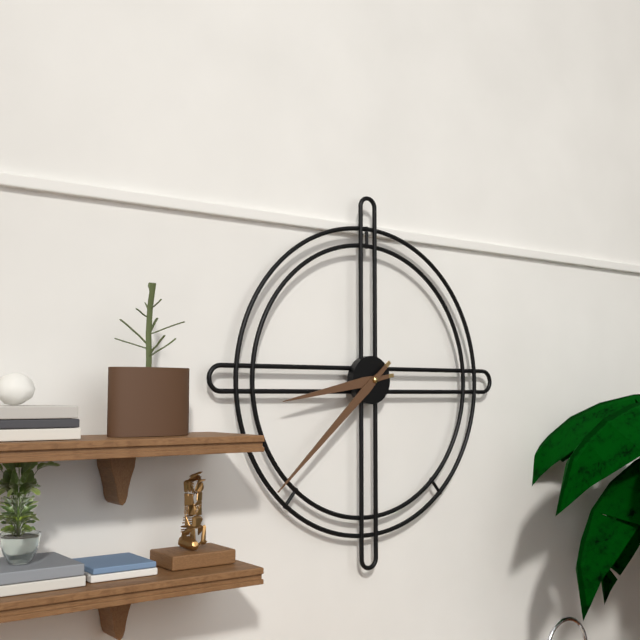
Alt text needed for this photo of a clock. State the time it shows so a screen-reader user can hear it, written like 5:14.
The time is 8:38
